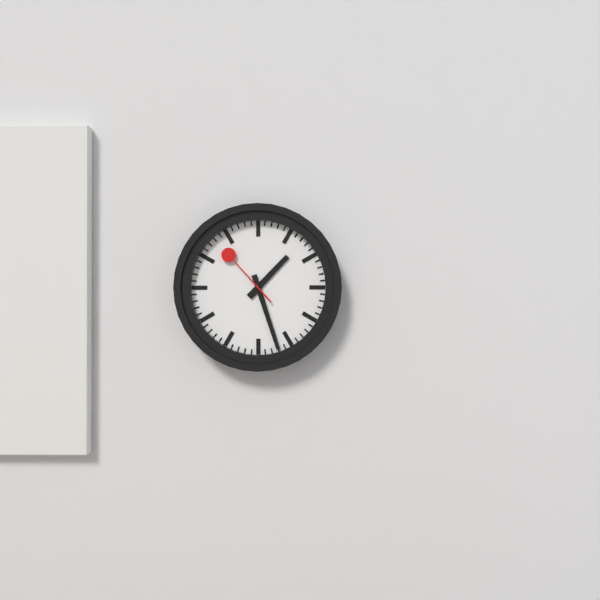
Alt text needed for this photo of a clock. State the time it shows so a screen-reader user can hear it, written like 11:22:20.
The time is 1:27:53
